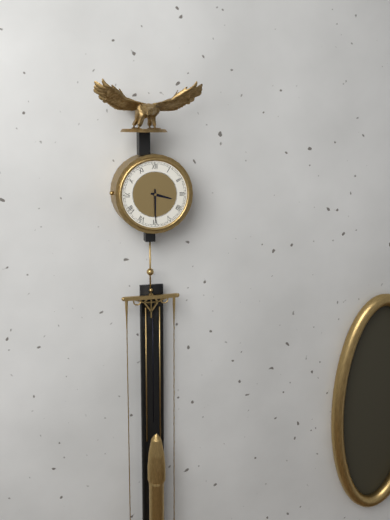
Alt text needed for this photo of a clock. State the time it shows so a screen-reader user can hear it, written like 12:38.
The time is 3:30
